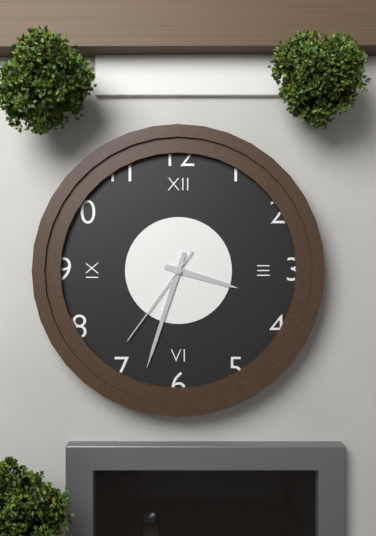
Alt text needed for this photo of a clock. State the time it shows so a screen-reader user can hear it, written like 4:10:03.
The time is 3:33:36
